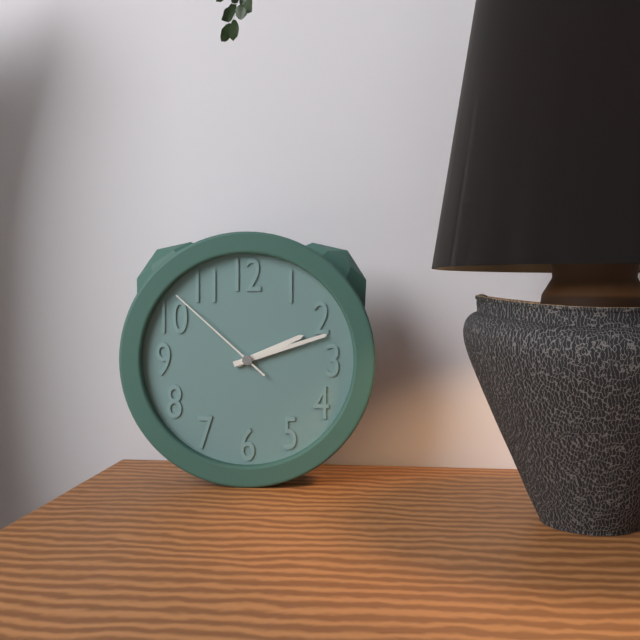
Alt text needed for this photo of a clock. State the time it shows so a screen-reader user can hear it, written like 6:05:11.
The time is 2:12:52
